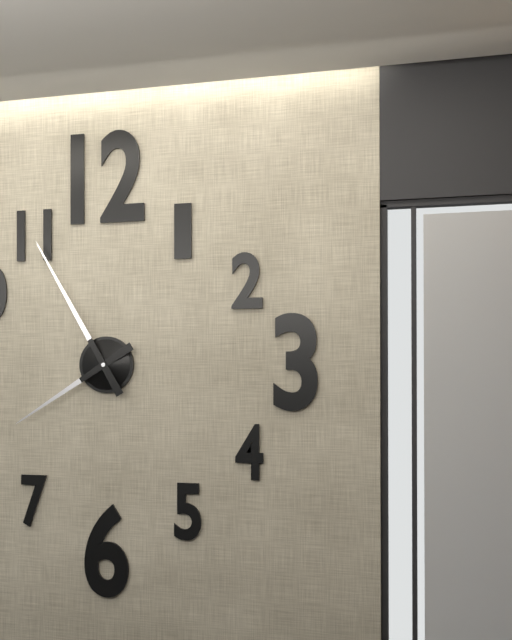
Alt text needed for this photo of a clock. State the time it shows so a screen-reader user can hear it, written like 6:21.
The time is 7:55
